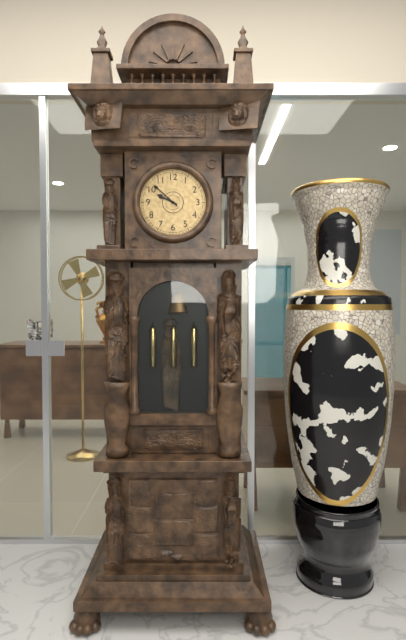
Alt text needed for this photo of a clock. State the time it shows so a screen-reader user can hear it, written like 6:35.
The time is 9:52
